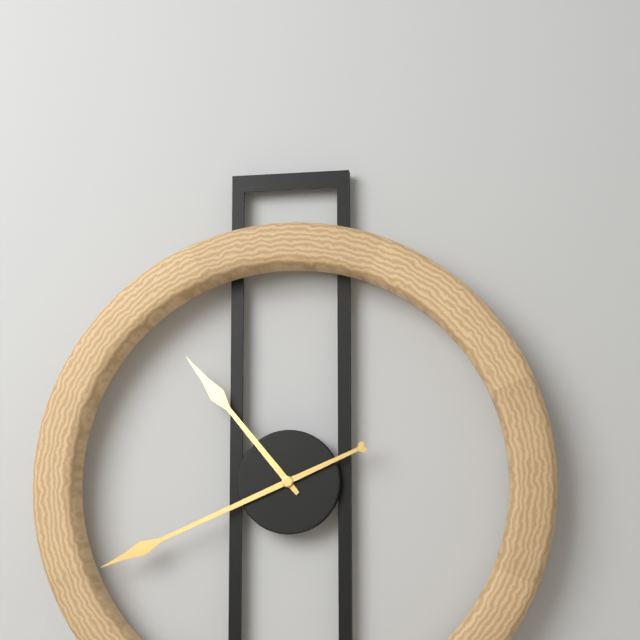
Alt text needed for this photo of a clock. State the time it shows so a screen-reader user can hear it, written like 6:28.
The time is 10:41
